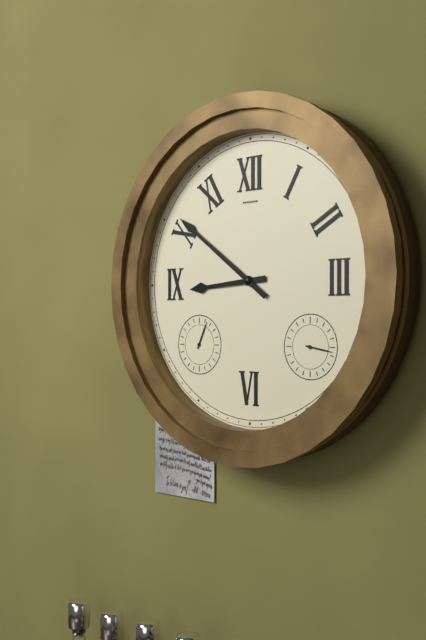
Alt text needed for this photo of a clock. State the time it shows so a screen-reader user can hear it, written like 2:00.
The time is 8:51
